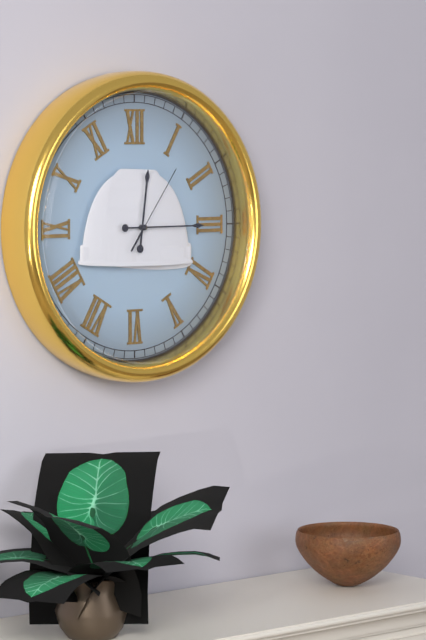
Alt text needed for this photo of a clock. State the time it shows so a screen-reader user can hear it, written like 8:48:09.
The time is 12:15:06
